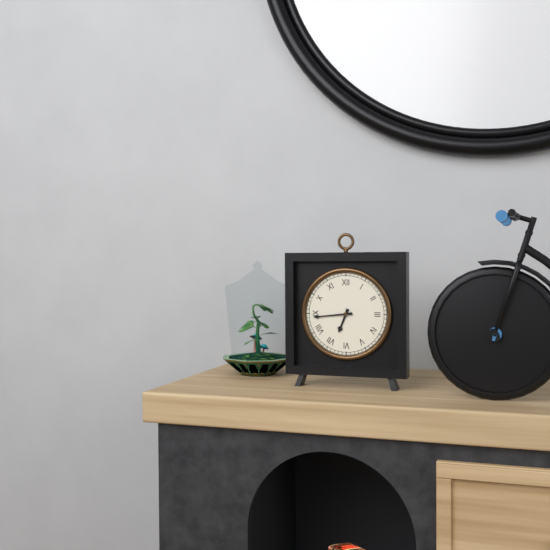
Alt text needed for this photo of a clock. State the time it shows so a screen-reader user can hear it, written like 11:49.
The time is 6:44
